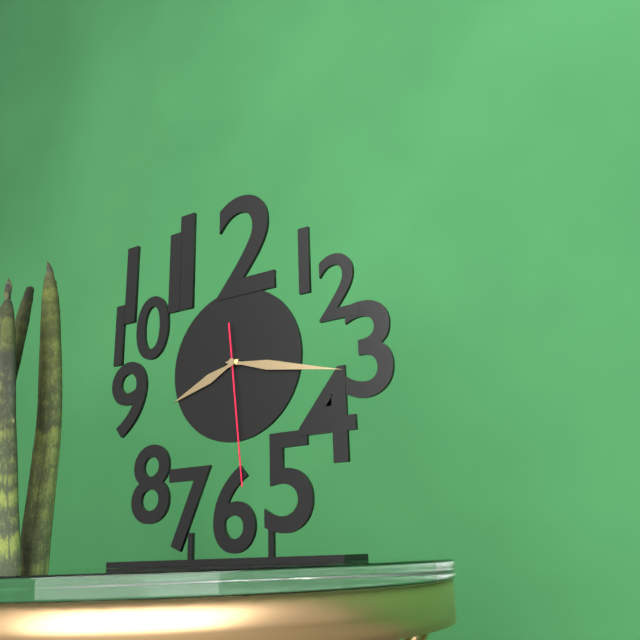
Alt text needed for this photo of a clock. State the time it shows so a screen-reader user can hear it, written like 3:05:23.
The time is 8:17:29
